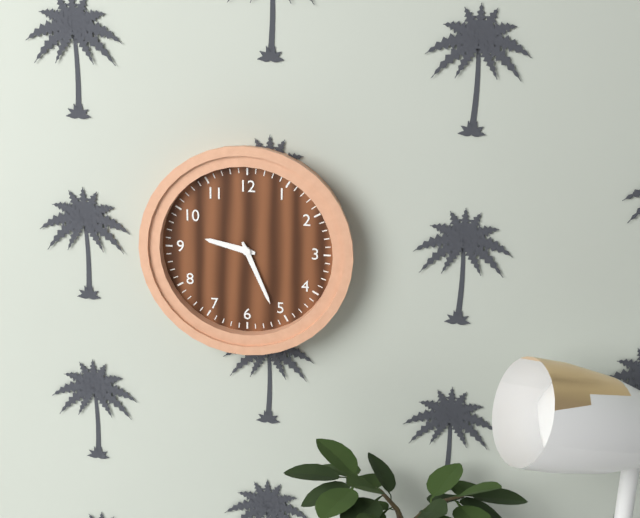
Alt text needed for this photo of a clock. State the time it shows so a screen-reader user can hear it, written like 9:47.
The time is 9:26
